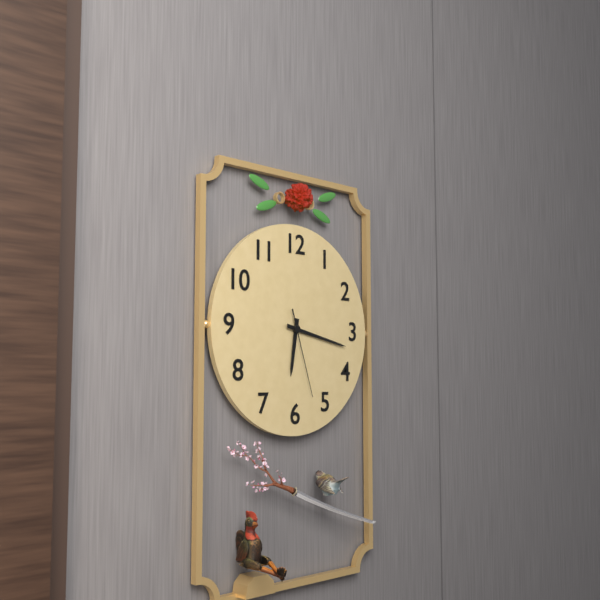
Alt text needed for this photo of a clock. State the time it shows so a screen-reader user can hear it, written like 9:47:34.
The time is 6:17:27
